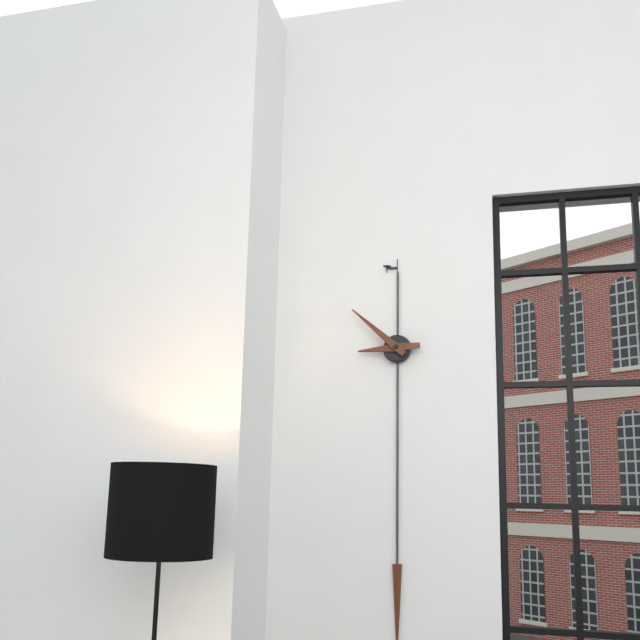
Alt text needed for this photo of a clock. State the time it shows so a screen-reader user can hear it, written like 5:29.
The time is 8:52
